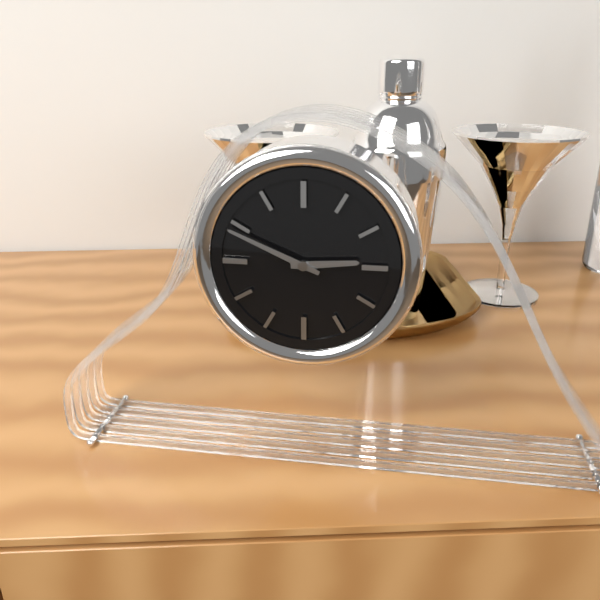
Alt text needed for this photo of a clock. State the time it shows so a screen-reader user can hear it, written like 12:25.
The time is 2:49
